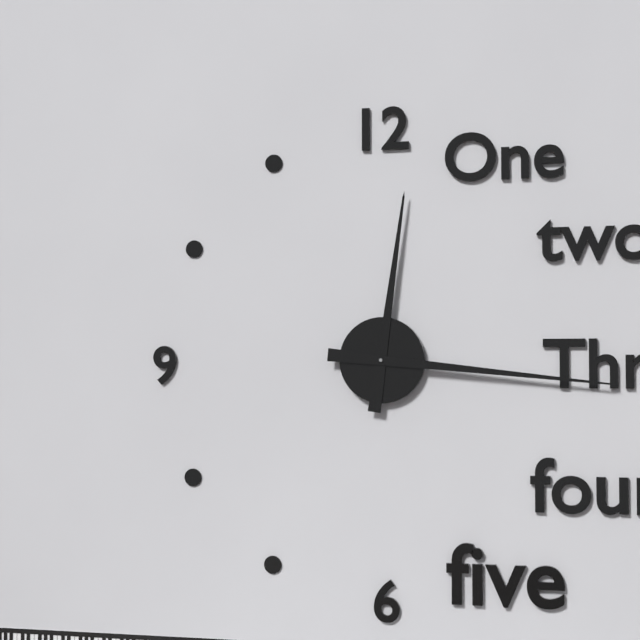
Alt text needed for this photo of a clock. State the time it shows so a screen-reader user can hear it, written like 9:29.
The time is 12:16
